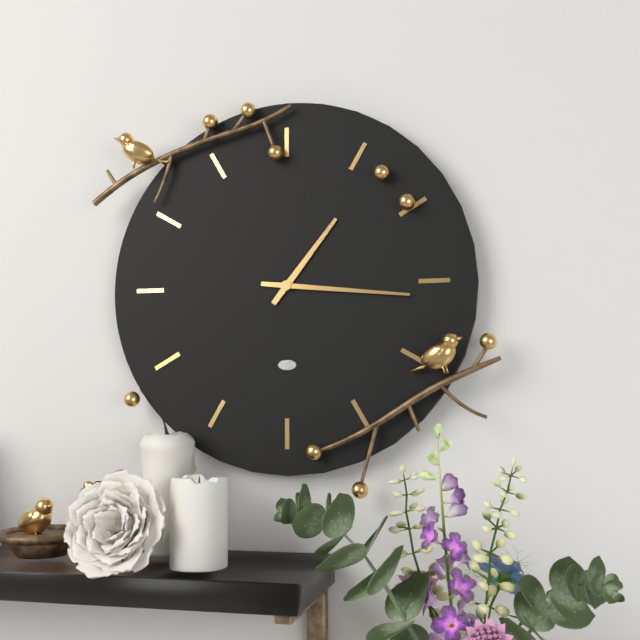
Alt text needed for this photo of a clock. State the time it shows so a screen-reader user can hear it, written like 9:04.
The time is 1:16
